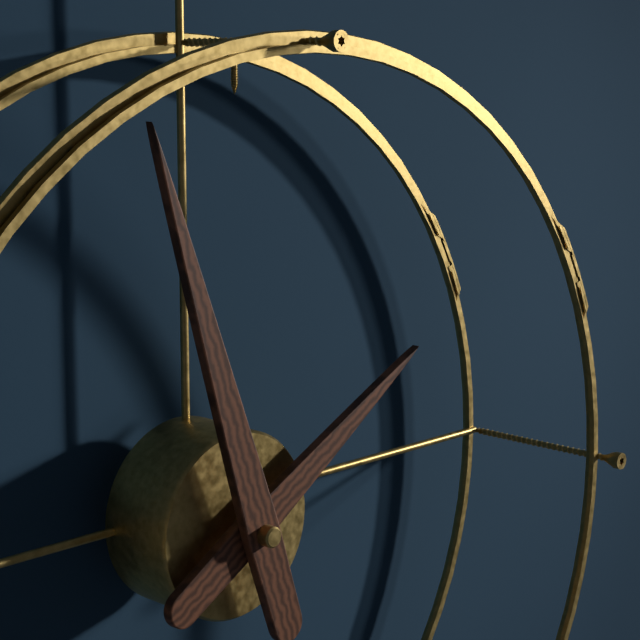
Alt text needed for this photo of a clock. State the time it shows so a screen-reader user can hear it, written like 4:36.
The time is 1:57
